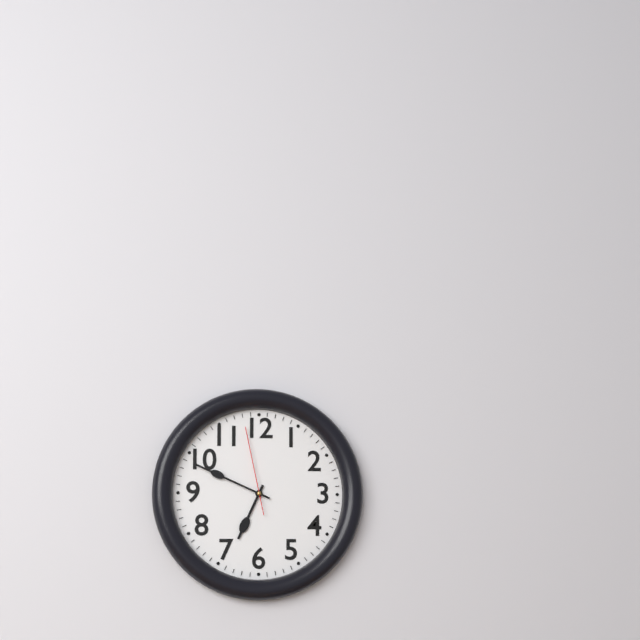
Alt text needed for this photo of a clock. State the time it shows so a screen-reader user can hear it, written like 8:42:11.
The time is 6:49:58
